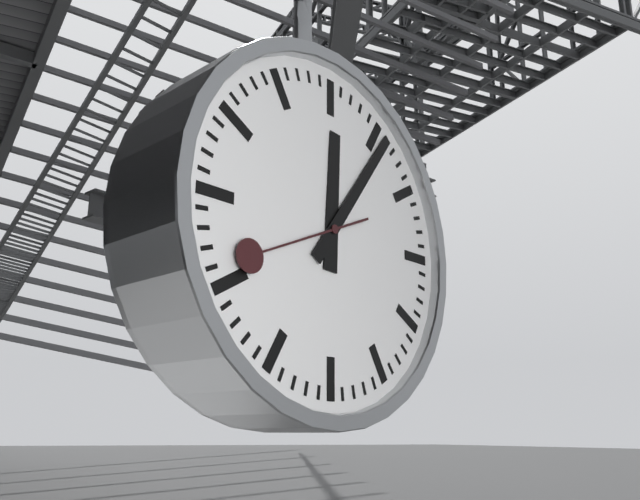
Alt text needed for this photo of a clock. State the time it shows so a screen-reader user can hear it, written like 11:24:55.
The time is 12:06:41
